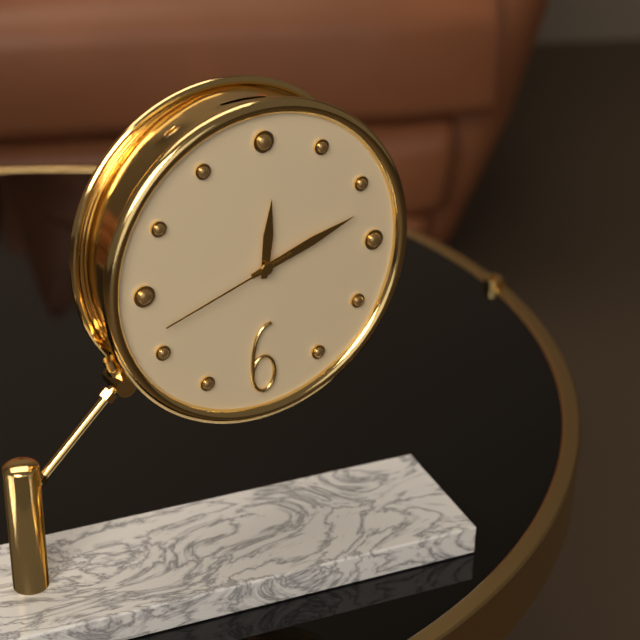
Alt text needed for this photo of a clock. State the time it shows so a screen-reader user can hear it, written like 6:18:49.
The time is 12:12:42
